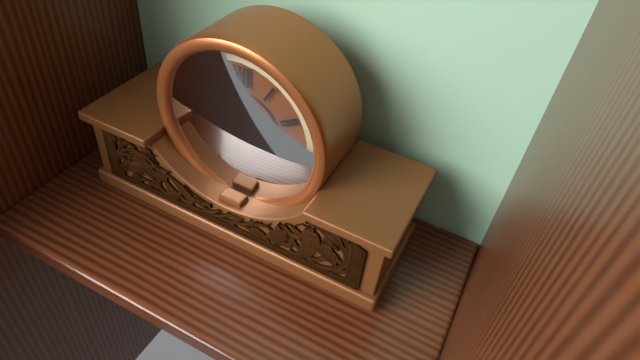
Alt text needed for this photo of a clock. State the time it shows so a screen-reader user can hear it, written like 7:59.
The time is 7:31
